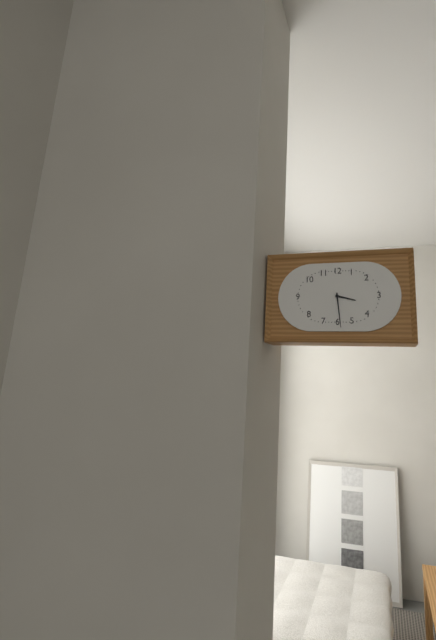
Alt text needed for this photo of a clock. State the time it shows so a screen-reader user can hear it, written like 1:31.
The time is 3:29
